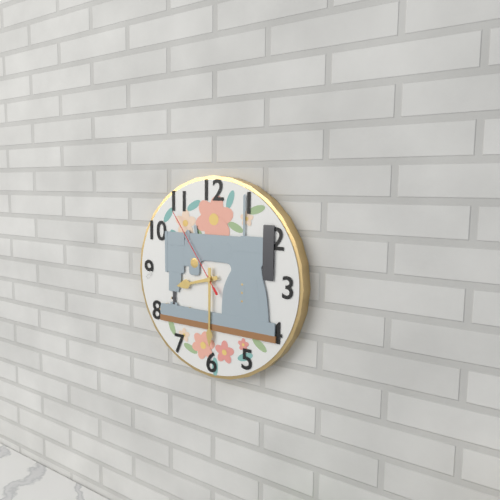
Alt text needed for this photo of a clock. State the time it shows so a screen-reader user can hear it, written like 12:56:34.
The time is 8:30:54
